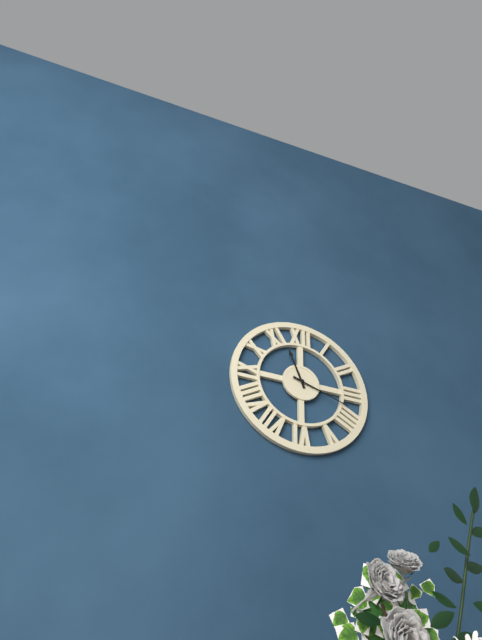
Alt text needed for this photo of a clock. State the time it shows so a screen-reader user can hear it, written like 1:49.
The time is 11:18
